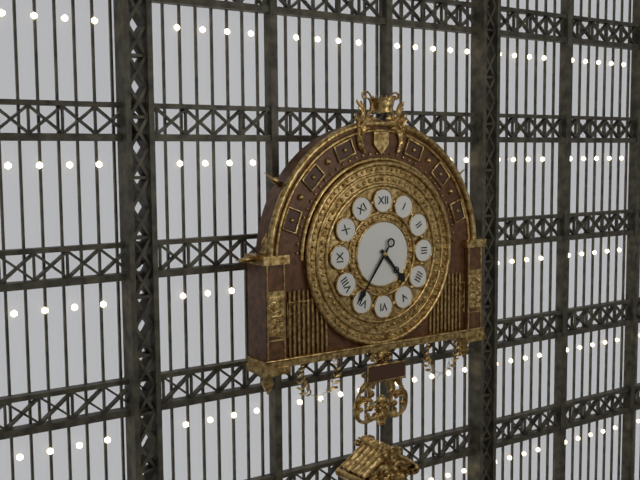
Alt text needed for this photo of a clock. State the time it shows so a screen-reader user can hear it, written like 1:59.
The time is 4:36
